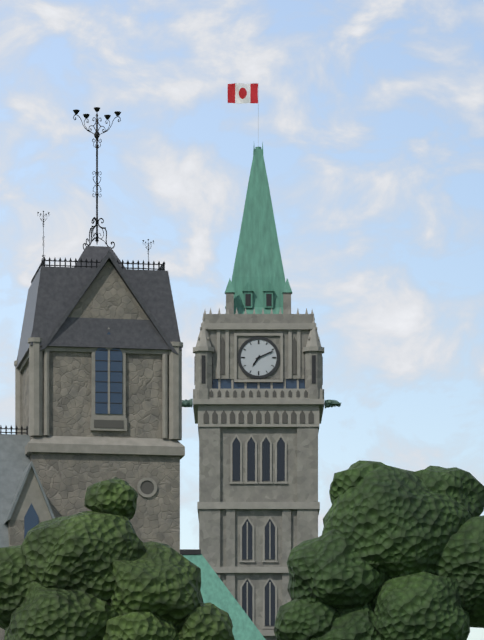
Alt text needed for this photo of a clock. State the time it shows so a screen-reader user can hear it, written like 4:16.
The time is 7:11
